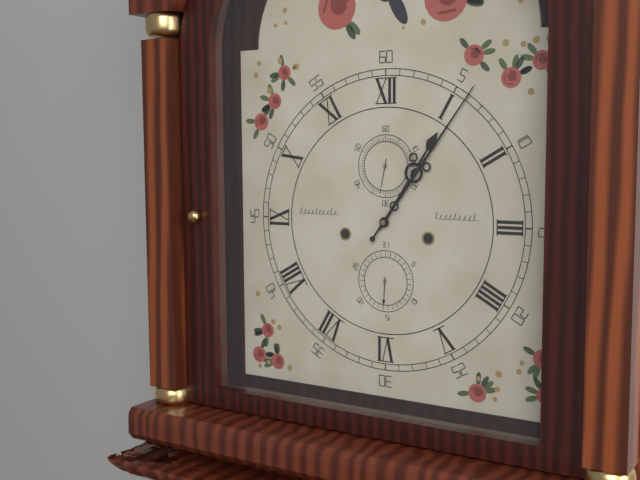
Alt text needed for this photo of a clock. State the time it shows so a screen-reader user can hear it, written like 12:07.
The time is 1:06
